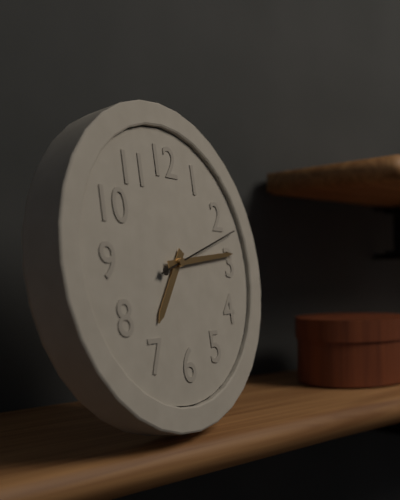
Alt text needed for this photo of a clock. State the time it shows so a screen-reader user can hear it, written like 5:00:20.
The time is 7:14:12
